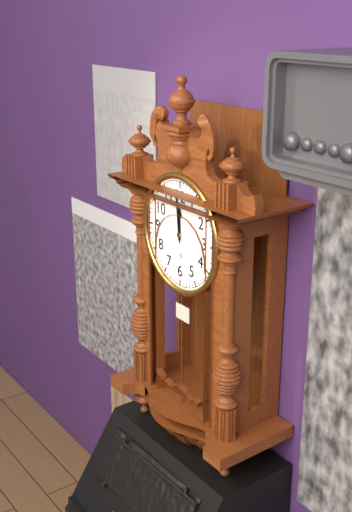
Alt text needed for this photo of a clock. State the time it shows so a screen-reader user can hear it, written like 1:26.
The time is 11:59
